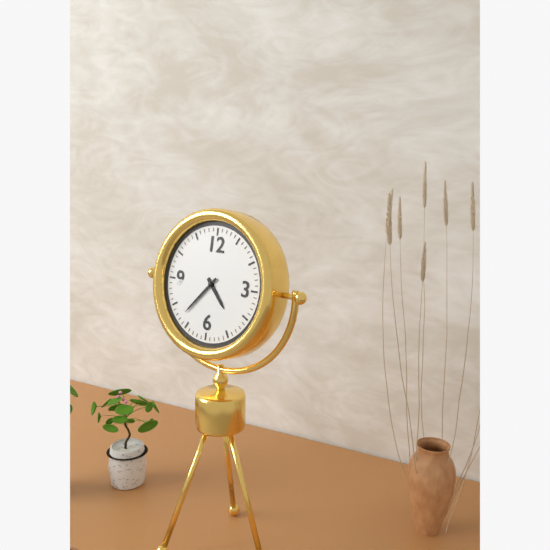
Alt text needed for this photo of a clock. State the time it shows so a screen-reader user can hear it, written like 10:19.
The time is 4:37
